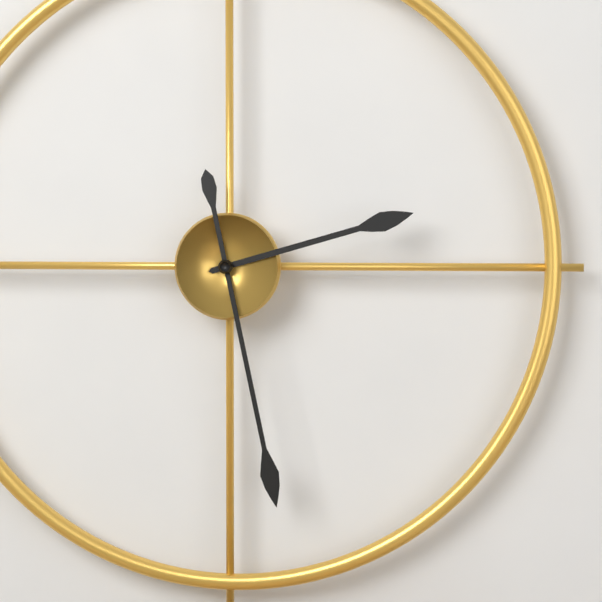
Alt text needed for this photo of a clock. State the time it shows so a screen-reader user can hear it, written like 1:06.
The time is 2:28
